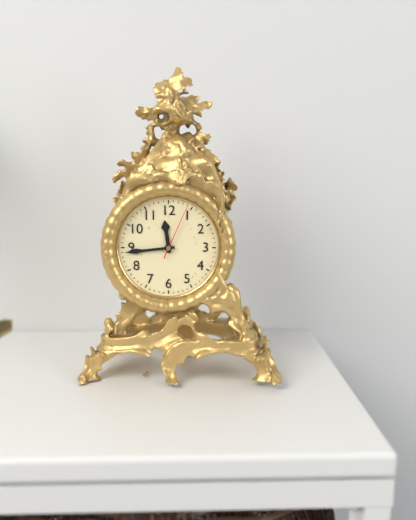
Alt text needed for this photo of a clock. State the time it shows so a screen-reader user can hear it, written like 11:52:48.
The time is 11:44:04
